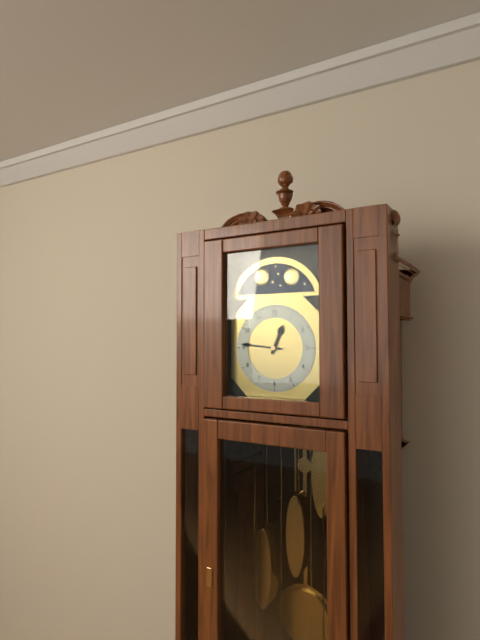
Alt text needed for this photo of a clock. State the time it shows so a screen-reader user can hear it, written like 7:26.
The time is 12:46
